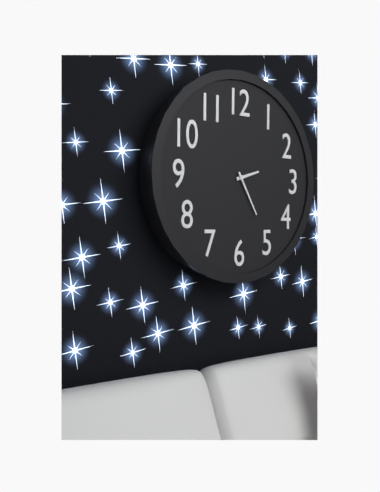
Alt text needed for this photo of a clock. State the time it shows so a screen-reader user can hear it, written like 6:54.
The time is 2:25
